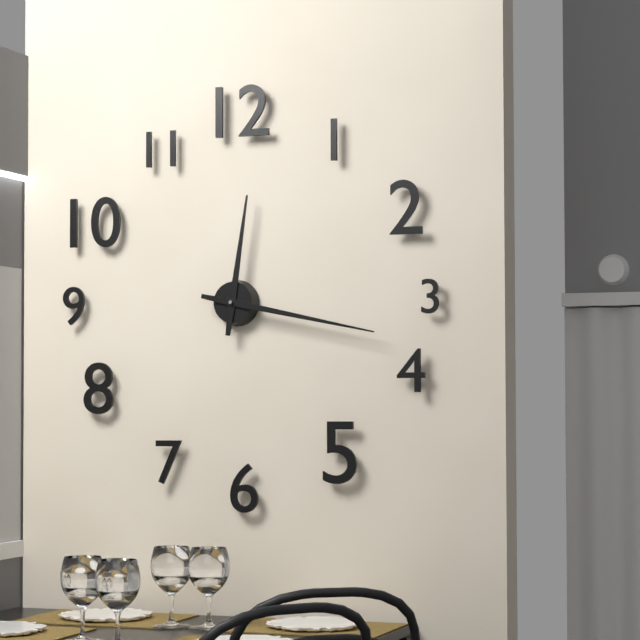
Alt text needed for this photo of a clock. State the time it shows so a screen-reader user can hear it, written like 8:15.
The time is 12:17
